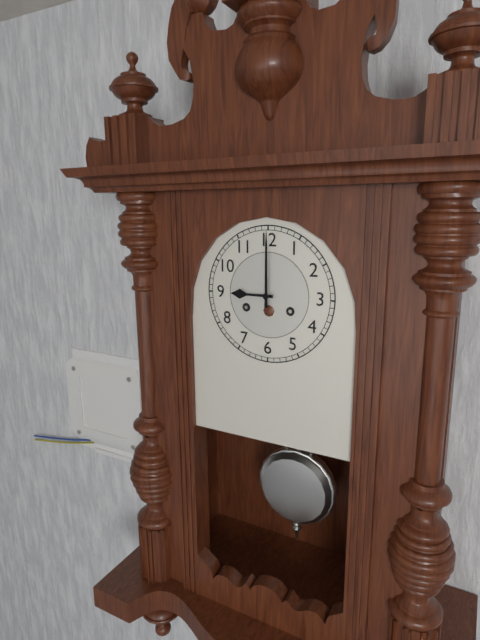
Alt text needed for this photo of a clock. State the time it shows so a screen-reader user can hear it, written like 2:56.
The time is 9:00
